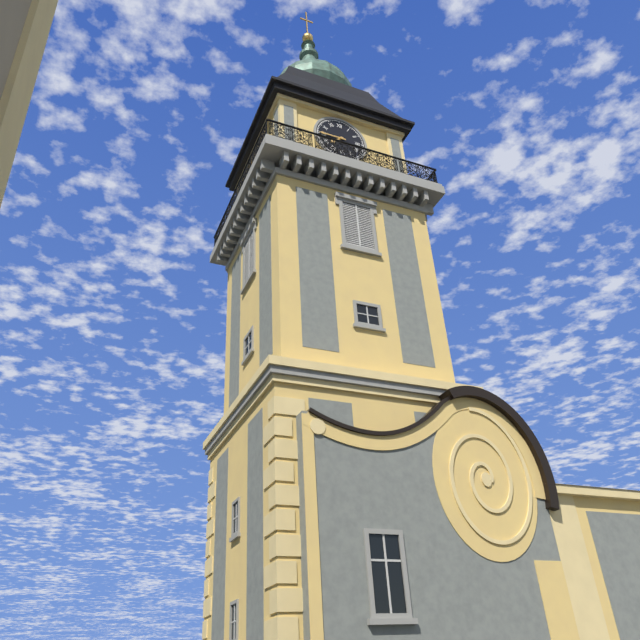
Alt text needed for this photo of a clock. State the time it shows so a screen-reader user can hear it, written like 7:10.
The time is 7:45
